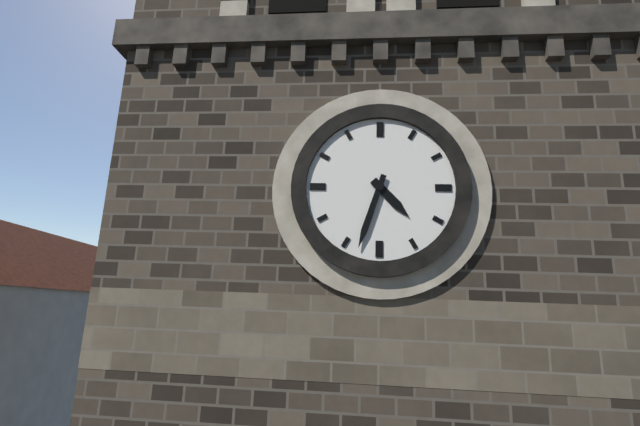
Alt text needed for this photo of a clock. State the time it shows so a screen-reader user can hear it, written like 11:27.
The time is 4:33
